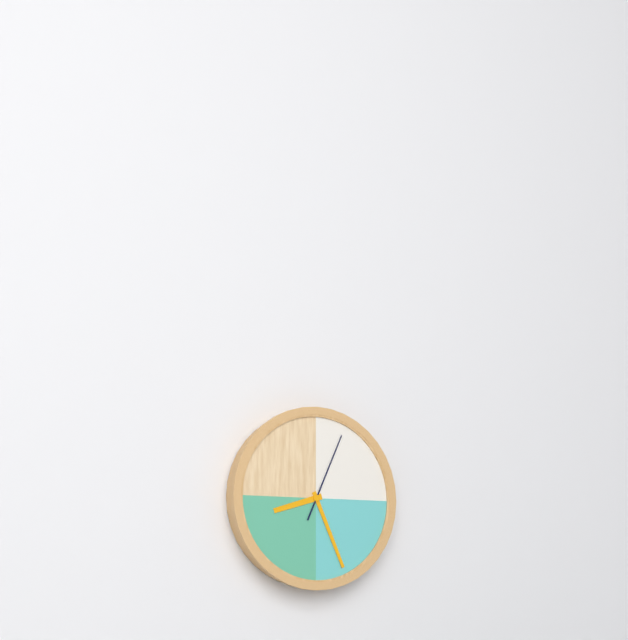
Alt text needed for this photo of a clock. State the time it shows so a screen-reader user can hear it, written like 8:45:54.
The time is 8:26:04
